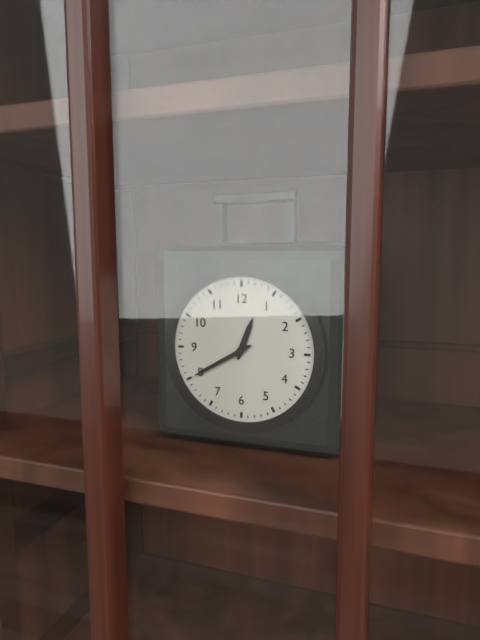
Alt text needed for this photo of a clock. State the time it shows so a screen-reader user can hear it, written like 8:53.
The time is 12:40
